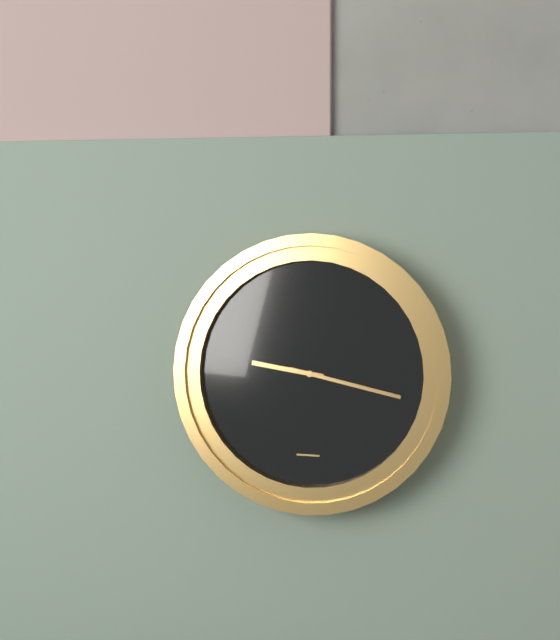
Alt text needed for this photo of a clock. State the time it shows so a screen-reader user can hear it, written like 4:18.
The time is 9:17
